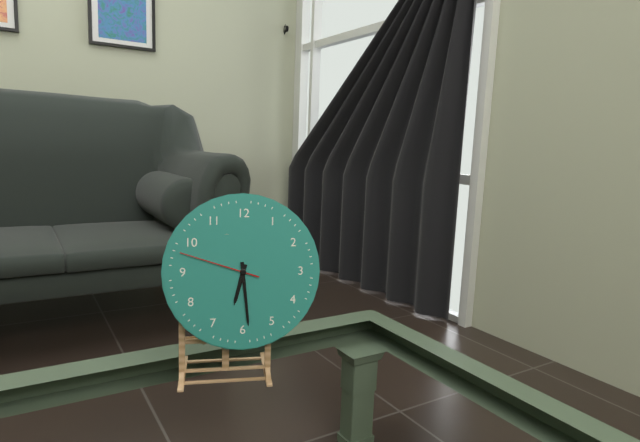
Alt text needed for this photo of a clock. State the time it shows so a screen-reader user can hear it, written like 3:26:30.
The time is 6:29:48
